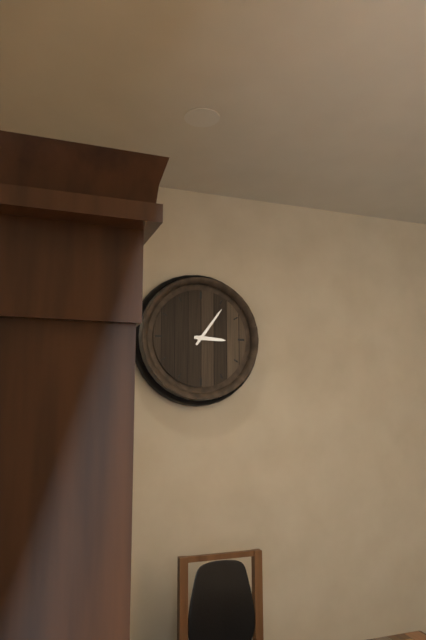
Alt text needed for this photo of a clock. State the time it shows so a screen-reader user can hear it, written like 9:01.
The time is 3:06
